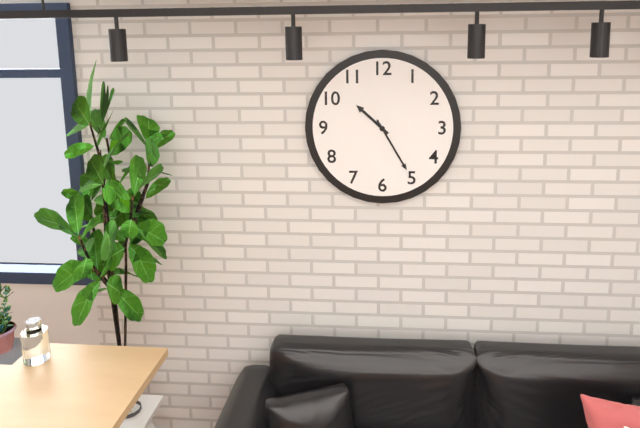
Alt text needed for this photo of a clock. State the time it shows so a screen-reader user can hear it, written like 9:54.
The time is 10:25
